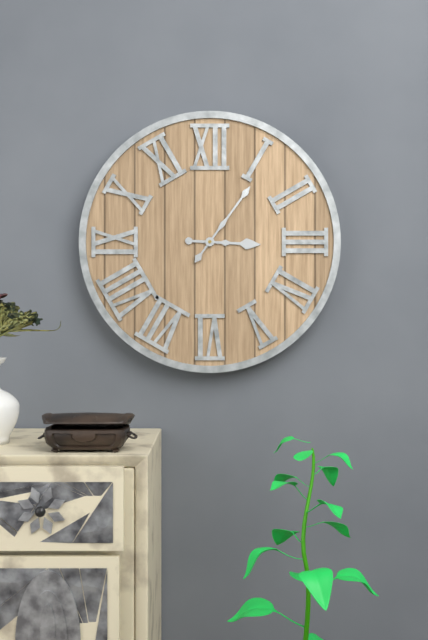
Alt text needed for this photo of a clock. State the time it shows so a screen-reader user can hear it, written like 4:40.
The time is 3:06
